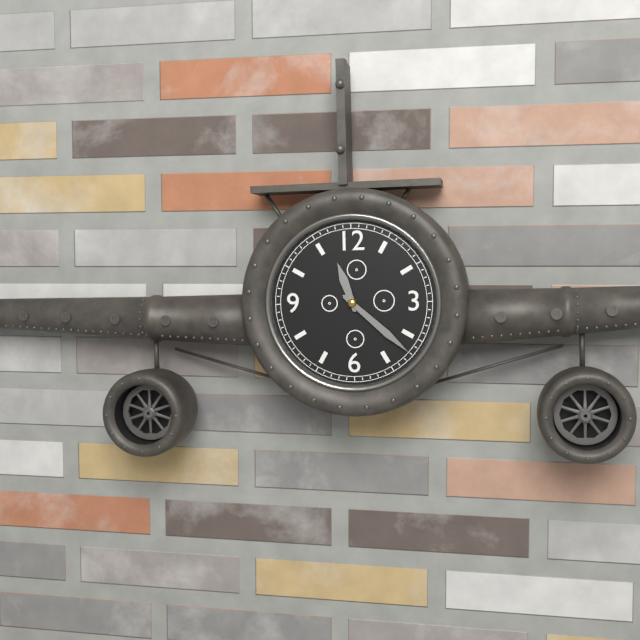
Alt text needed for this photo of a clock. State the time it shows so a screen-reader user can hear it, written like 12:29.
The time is 11:22
